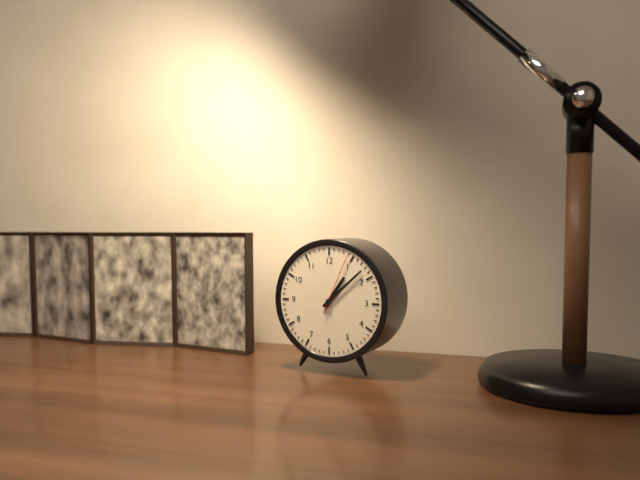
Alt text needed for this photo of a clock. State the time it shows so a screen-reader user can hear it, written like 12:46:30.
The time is 1:08:04
